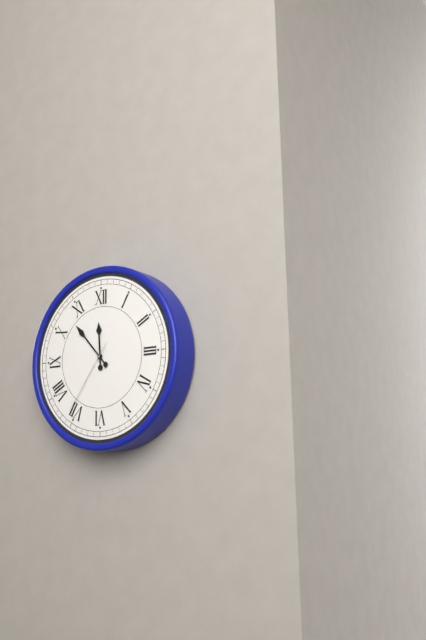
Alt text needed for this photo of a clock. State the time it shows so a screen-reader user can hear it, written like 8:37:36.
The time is 11:53:36
